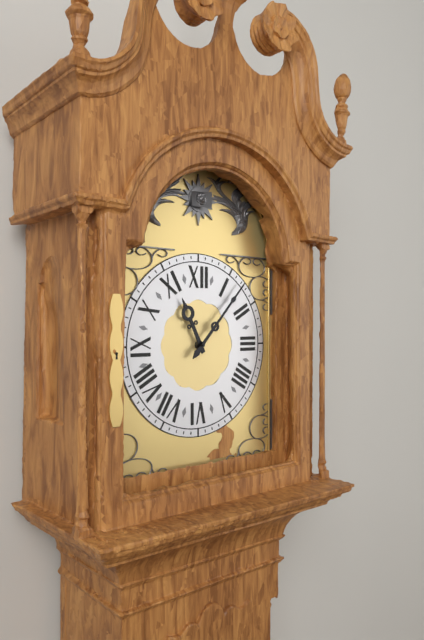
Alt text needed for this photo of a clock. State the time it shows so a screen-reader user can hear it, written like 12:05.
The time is 11:07
